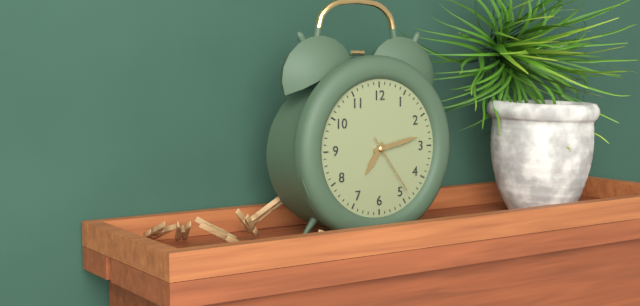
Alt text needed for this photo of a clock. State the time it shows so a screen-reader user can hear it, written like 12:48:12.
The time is 7:13:24
